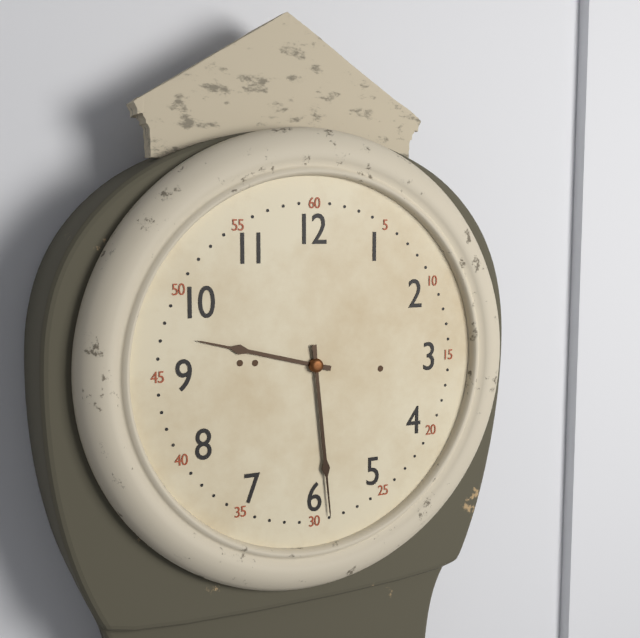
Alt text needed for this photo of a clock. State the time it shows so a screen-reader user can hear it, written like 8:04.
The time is 9:29
